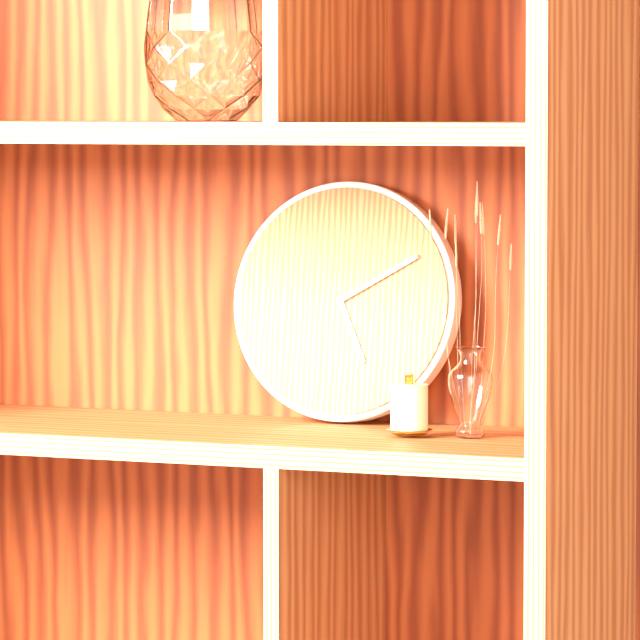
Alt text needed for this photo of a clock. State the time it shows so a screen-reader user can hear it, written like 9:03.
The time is 5:10
